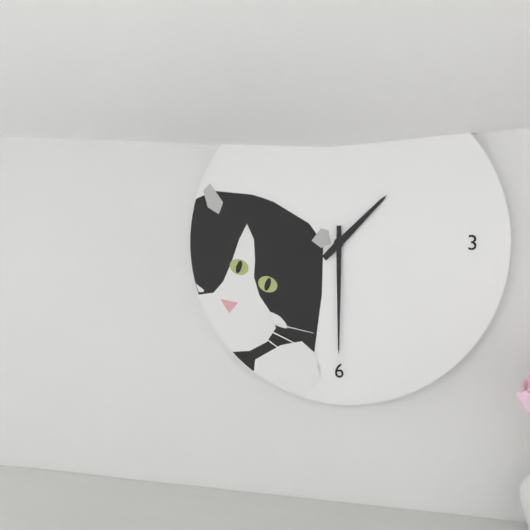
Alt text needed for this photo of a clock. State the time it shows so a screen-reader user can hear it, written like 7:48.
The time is 1:30
